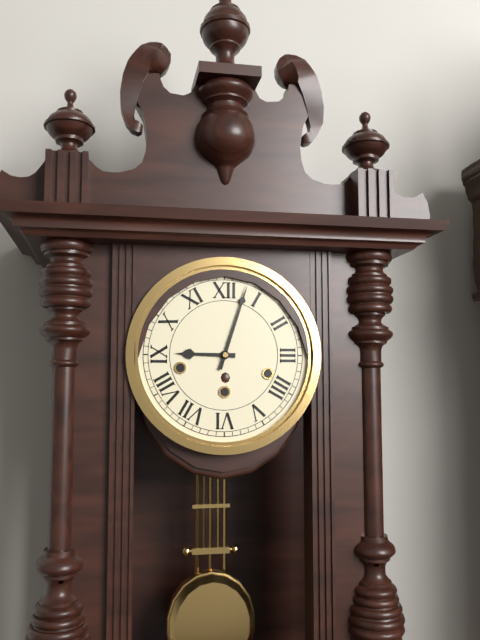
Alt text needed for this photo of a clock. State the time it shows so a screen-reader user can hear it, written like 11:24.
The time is 9:03
